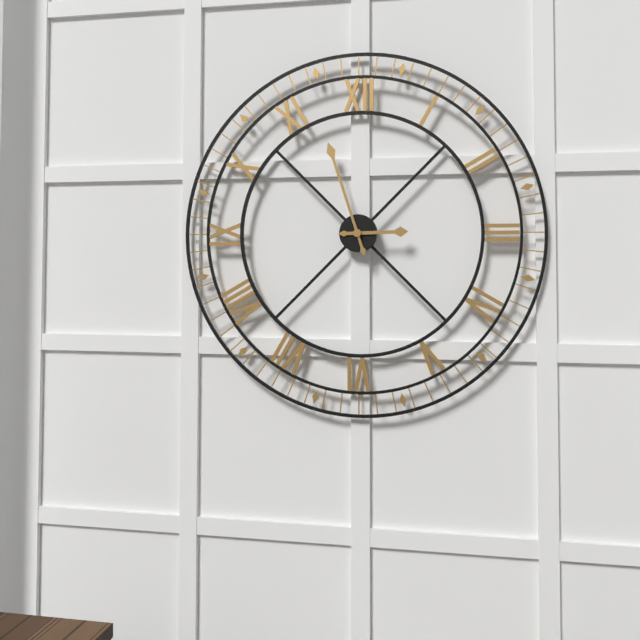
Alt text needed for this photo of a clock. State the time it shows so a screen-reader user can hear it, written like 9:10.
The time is 2:57
